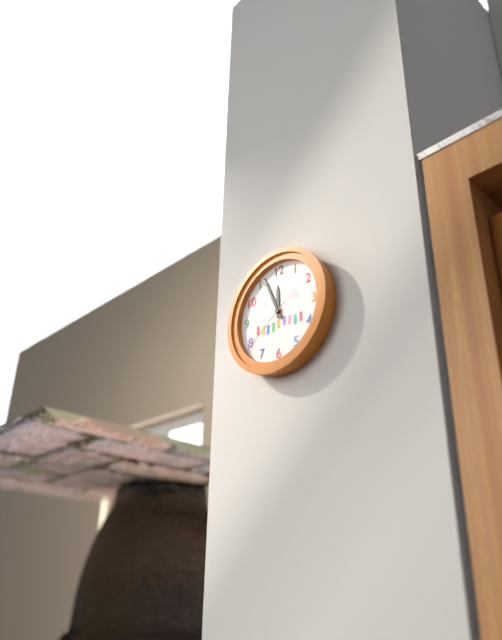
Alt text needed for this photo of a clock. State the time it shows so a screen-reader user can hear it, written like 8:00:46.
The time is 11:56:39
